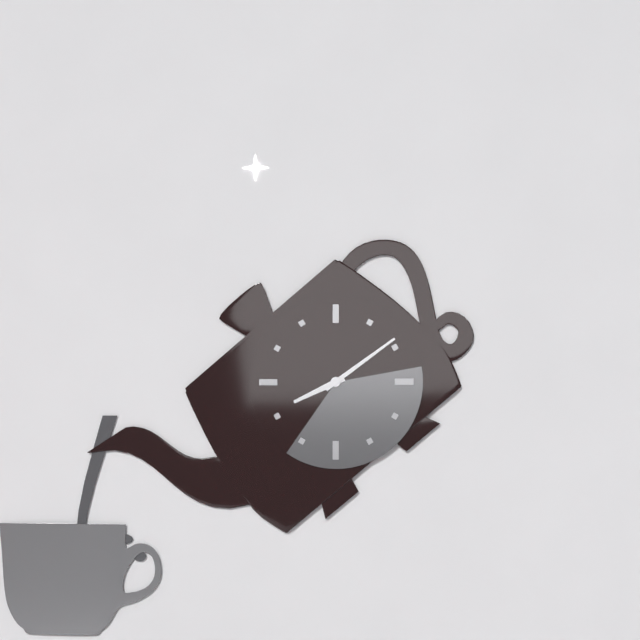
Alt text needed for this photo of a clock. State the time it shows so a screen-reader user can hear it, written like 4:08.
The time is 8:09
